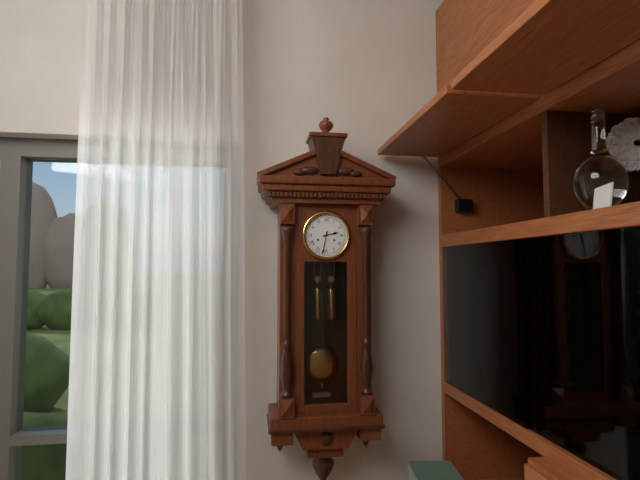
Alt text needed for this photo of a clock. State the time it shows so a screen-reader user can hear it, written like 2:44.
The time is 2:32
